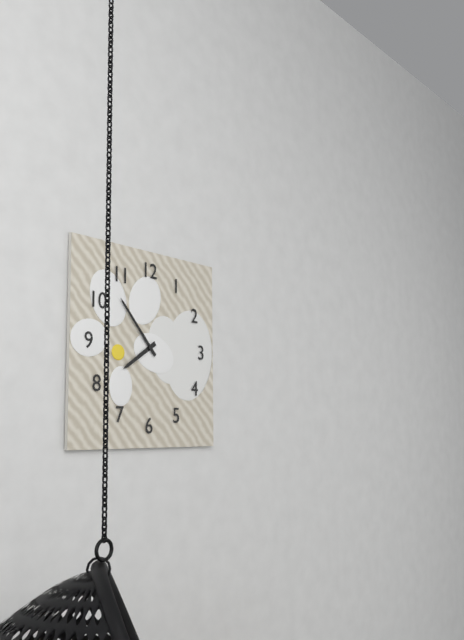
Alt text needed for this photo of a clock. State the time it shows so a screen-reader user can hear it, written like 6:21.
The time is 7:53
